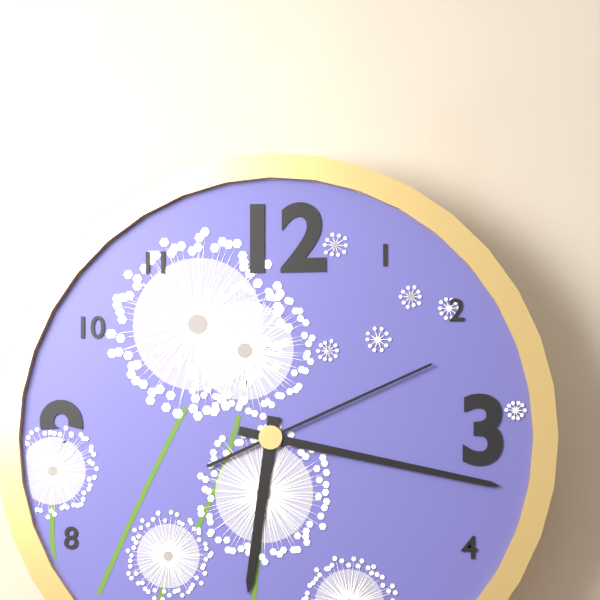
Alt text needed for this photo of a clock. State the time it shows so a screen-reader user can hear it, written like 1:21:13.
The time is 6:17:11
